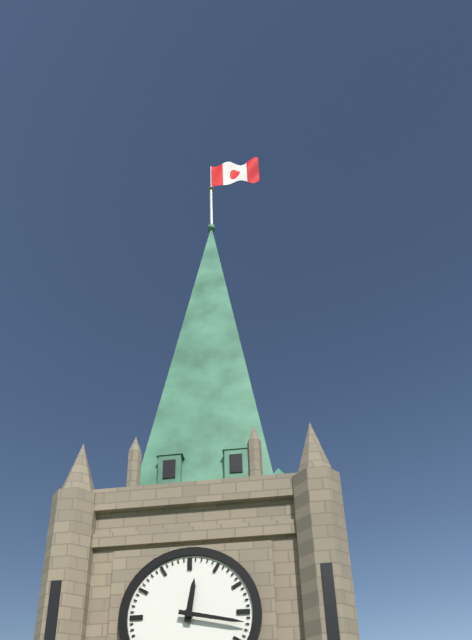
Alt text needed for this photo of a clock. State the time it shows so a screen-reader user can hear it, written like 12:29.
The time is 12:17
